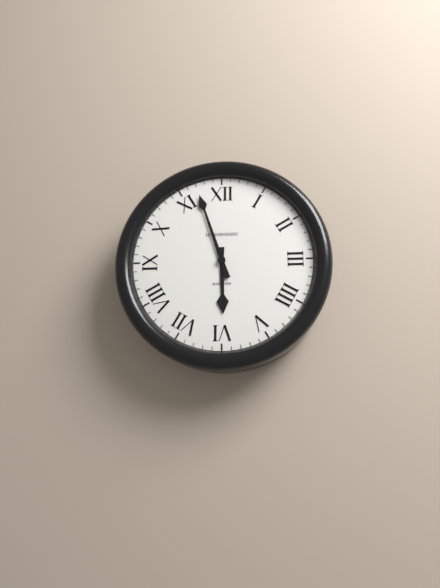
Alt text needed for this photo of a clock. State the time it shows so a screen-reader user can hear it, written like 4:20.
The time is 5:57
